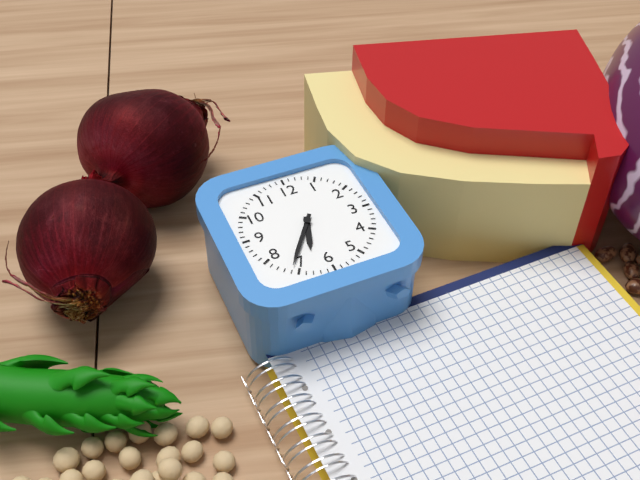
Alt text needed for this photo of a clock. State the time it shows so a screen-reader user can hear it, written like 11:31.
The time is 6:36
